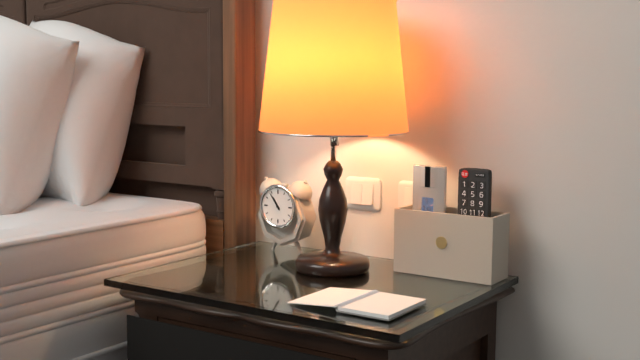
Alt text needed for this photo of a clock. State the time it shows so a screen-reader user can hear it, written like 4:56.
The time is 10:54
